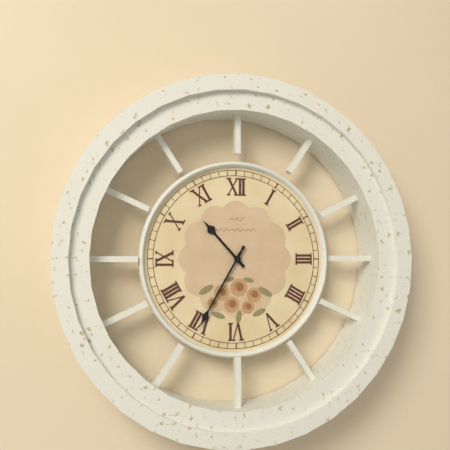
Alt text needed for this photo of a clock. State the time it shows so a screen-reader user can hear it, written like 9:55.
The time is 10:35
